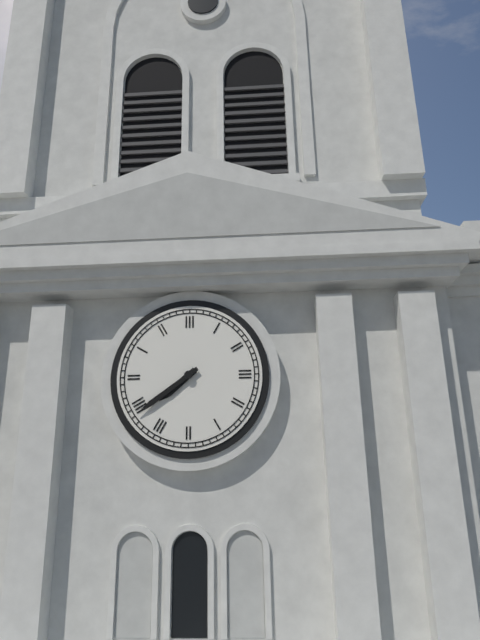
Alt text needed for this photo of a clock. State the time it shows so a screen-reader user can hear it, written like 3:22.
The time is 7:39
